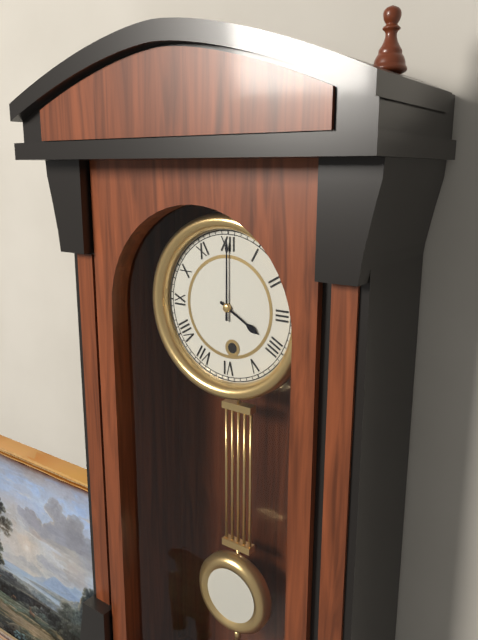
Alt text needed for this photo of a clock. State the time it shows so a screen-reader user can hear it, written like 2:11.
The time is 4:00
